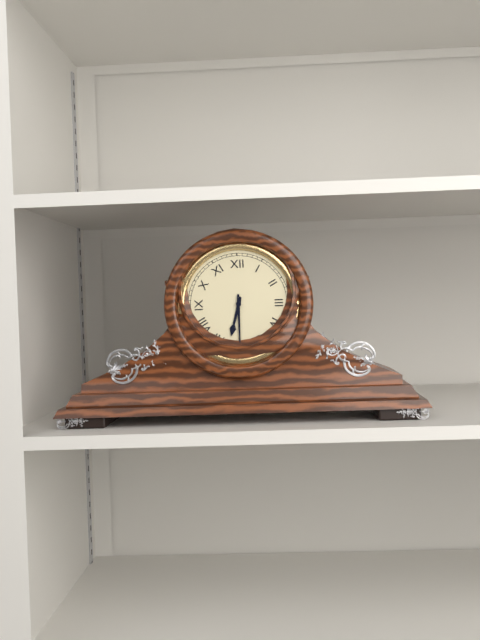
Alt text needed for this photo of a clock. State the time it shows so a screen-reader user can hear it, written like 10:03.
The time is 6:30
